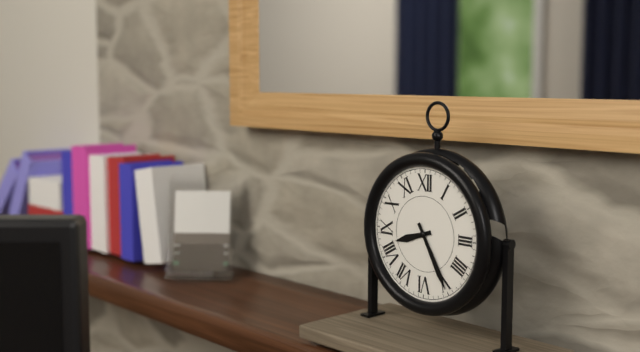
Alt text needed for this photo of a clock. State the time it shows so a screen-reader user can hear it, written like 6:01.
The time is 8:25
